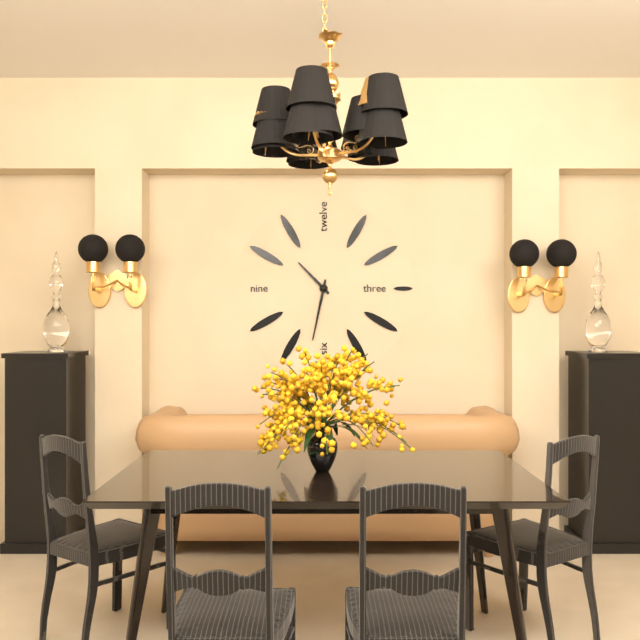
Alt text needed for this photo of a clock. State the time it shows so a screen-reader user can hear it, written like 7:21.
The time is 10:32
